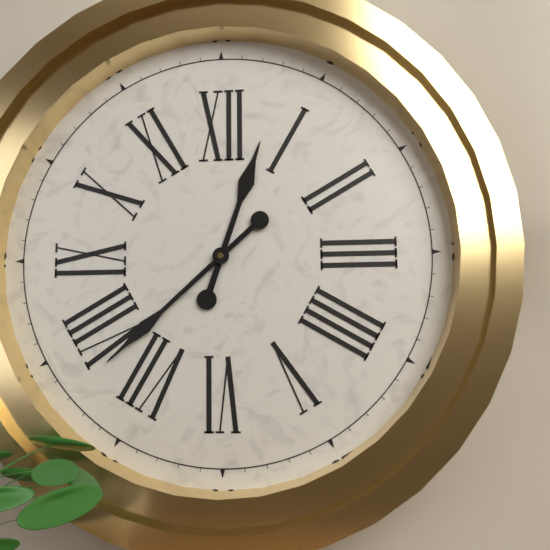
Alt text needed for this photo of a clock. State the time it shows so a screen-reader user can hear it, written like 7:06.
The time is 12:38
